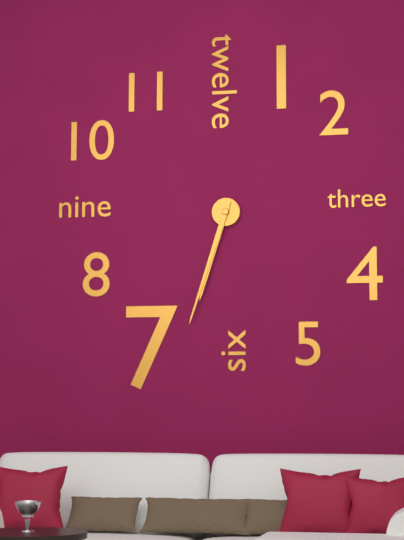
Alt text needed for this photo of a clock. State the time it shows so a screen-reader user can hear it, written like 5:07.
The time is 6:33
